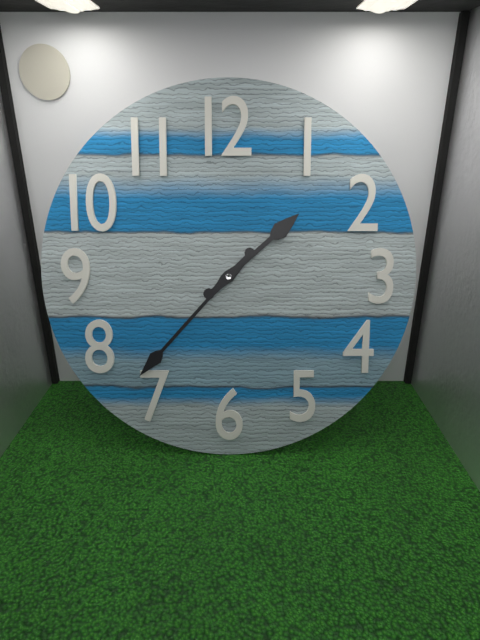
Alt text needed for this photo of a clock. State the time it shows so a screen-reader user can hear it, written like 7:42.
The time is 1:37
